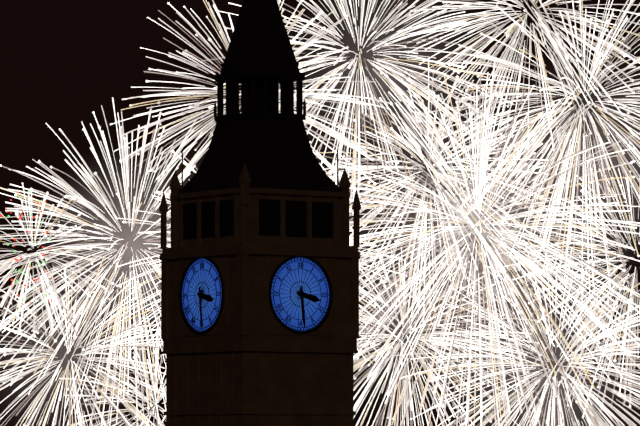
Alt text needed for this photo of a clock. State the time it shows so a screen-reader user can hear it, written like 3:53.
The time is 3:29
